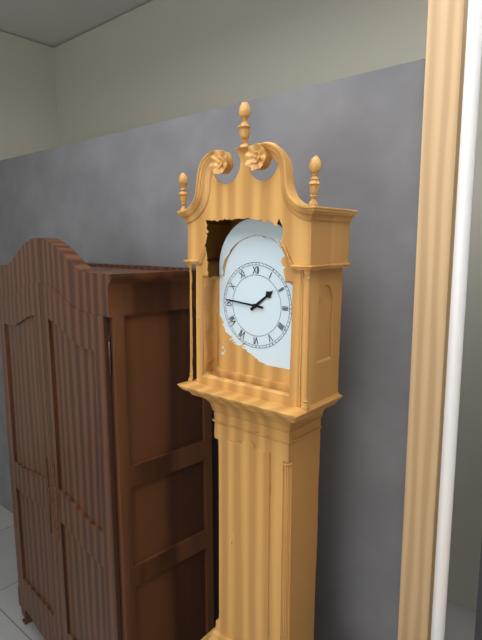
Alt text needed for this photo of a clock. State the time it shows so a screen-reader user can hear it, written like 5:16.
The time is 1:46
